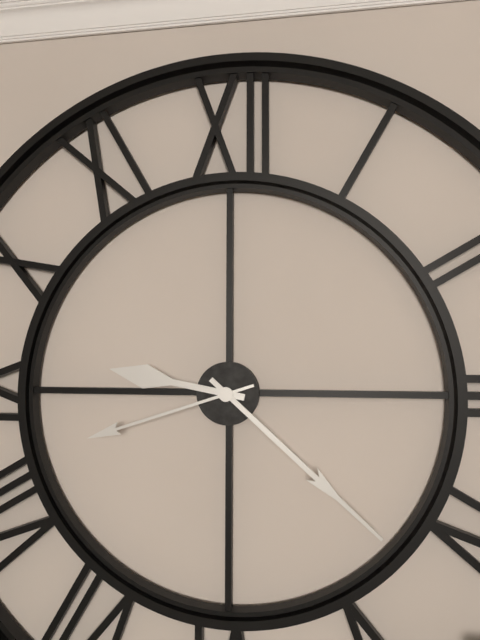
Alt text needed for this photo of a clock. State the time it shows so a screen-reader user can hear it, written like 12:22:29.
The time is 9:22:42
